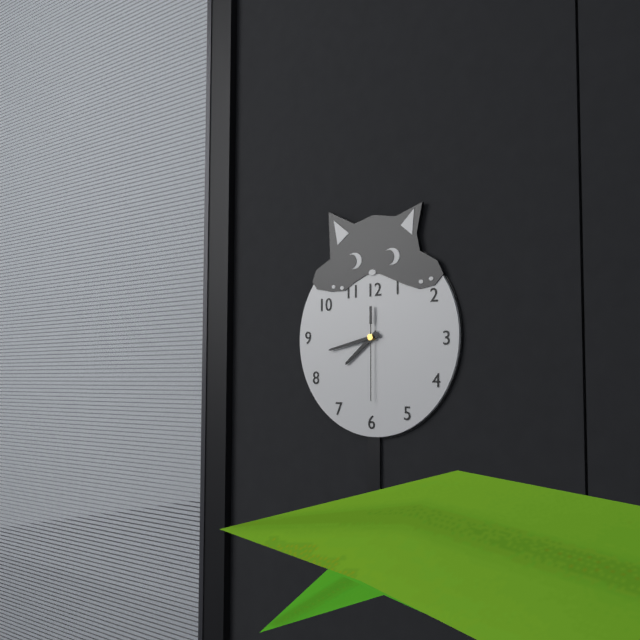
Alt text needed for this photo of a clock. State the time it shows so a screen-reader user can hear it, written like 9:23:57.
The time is 7:43:30
